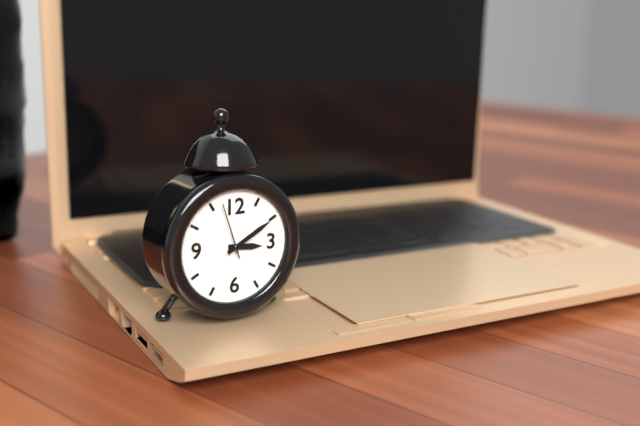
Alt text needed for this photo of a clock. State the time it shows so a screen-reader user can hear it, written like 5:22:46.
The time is 3:10:57
